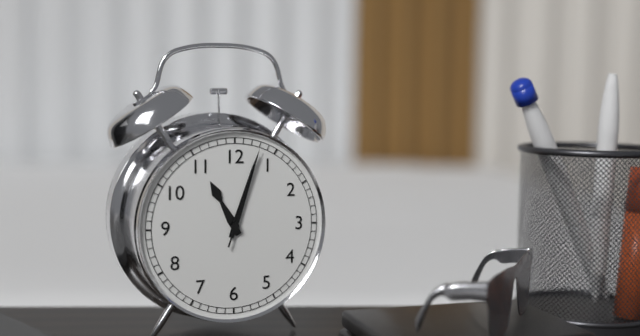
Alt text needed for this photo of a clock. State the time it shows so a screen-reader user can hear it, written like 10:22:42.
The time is 11:03:03
